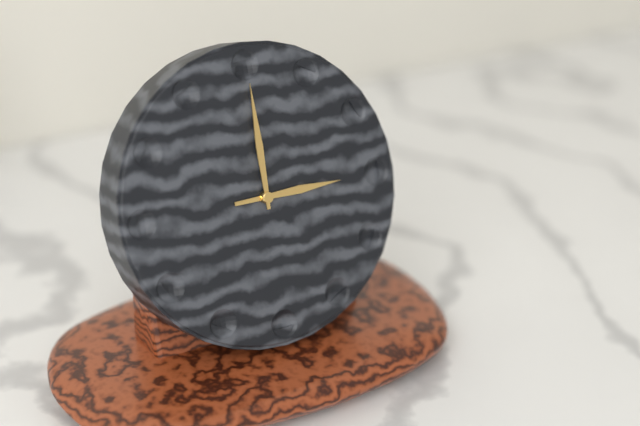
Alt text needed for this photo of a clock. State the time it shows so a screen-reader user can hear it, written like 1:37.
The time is 3:00
